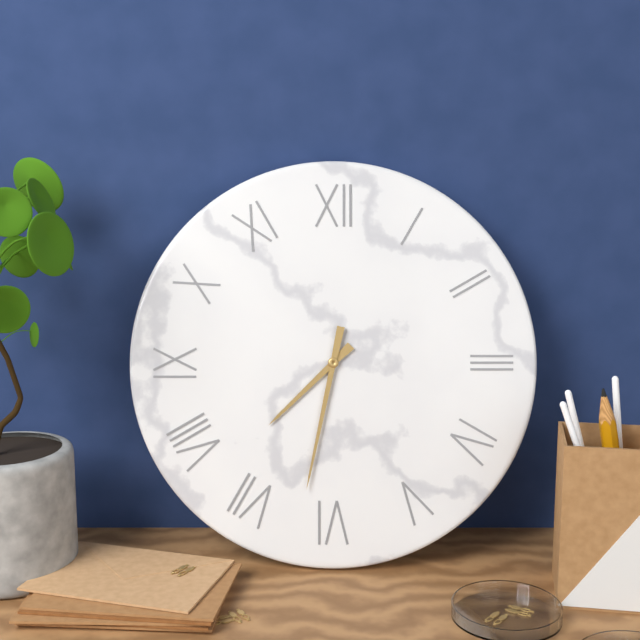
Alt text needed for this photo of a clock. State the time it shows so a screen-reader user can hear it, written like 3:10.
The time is 7:32
